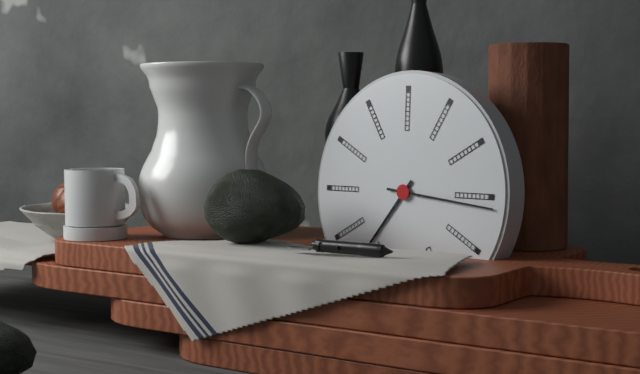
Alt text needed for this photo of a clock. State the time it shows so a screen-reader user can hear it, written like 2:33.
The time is 7:16
